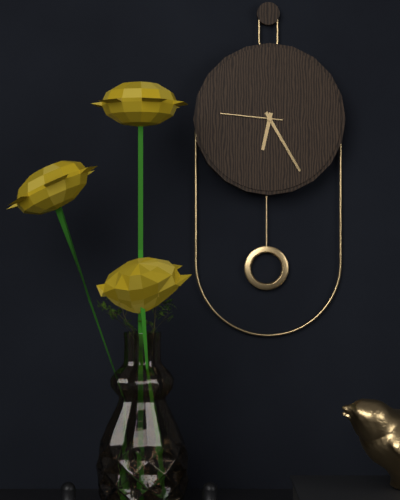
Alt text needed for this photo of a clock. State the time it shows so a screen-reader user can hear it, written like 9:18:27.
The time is 6:25:46
